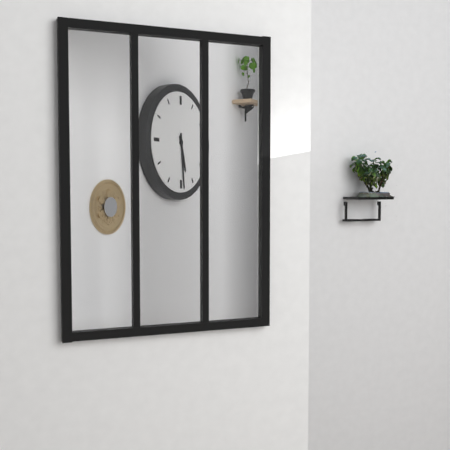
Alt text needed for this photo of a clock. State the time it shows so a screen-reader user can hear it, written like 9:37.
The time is 5:29
